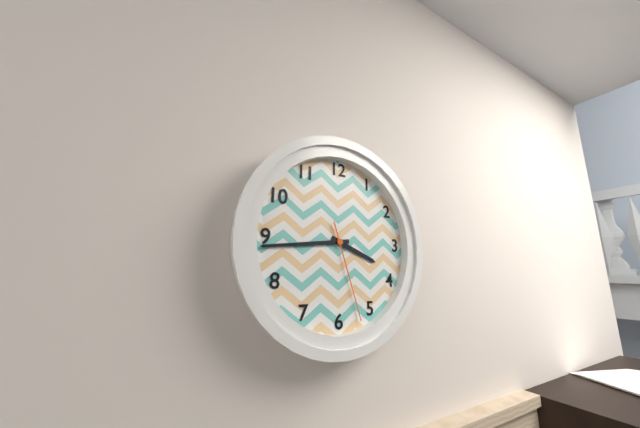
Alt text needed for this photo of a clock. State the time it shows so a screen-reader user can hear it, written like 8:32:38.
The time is 3:44:27
